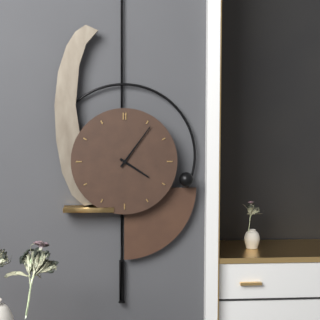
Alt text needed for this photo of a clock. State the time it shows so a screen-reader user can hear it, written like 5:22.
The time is 4:06
